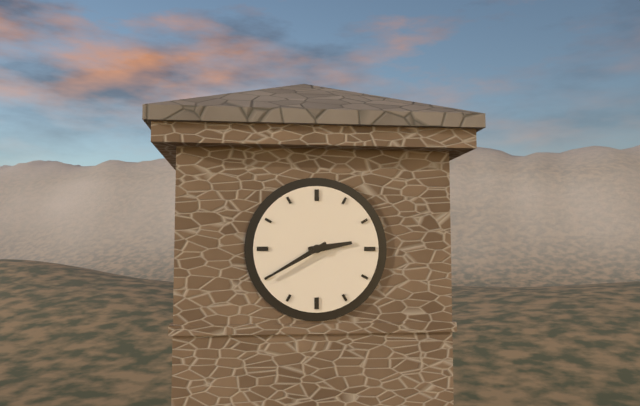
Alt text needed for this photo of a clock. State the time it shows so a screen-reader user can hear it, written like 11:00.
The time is 2:40
